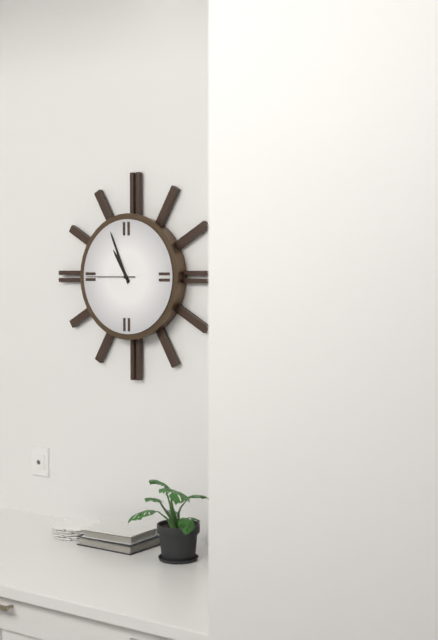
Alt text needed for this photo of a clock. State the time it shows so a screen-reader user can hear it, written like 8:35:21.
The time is 10:56:45
